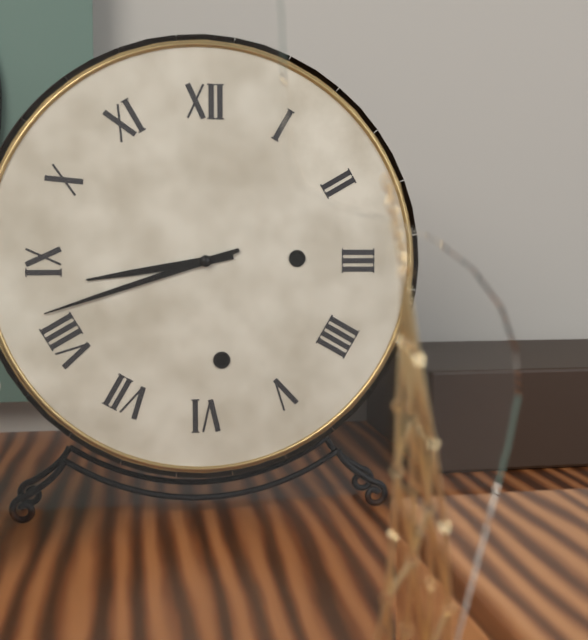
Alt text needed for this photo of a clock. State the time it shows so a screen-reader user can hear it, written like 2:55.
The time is 8:42
